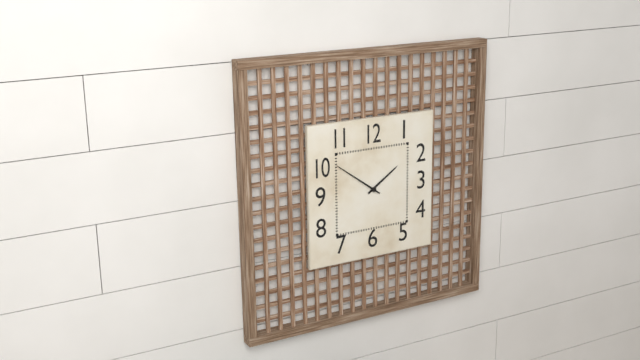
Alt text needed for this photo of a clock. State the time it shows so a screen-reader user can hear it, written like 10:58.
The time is 1:51
